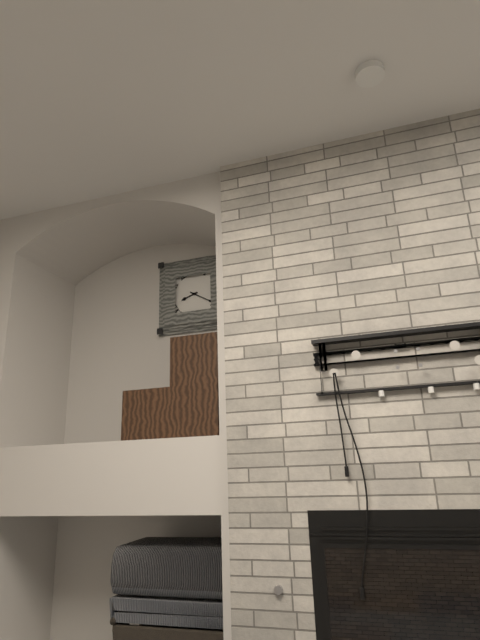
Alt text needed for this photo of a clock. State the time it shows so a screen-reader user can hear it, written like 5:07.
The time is 8:20
